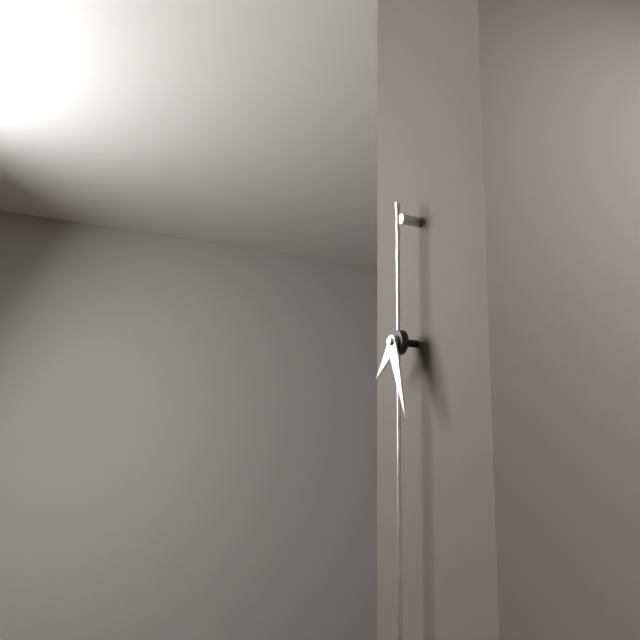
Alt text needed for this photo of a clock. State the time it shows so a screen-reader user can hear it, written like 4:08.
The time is 7:27
